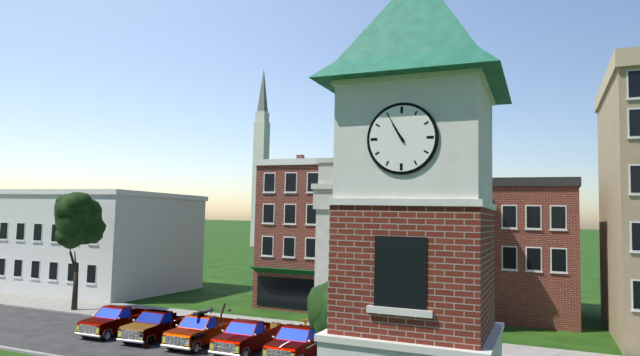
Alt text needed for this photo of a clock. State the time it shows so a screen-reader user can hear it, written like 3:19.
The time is 10:55
